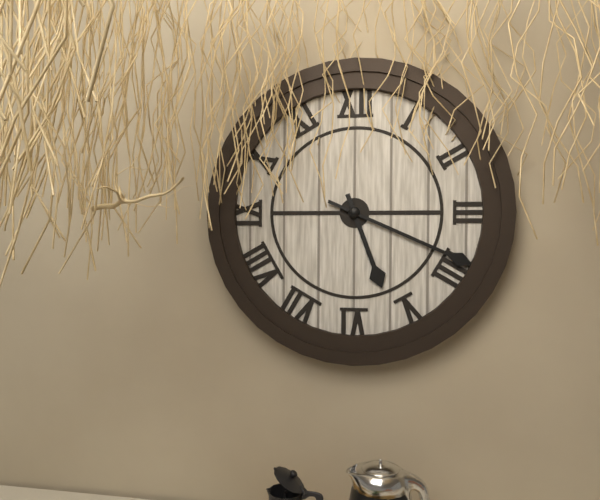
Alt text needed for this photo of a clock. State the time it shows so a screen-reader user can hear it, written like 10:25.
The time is 5:19
